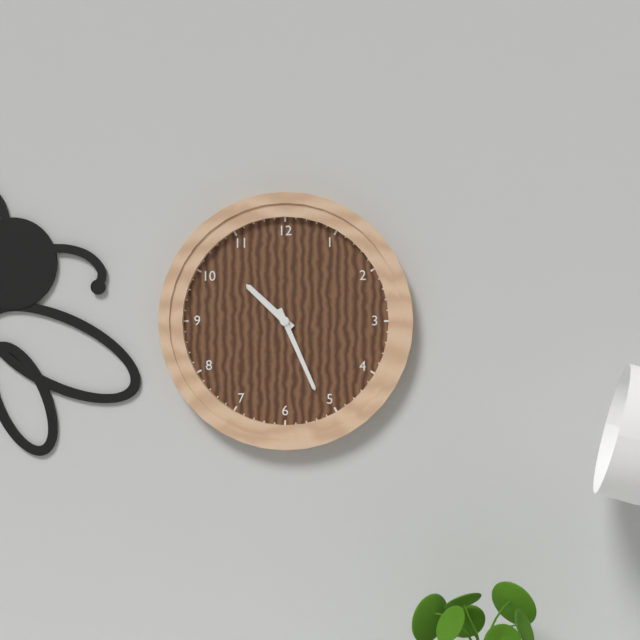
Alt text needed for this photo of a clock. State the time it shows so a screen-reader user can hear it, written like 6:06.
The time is 10:26
